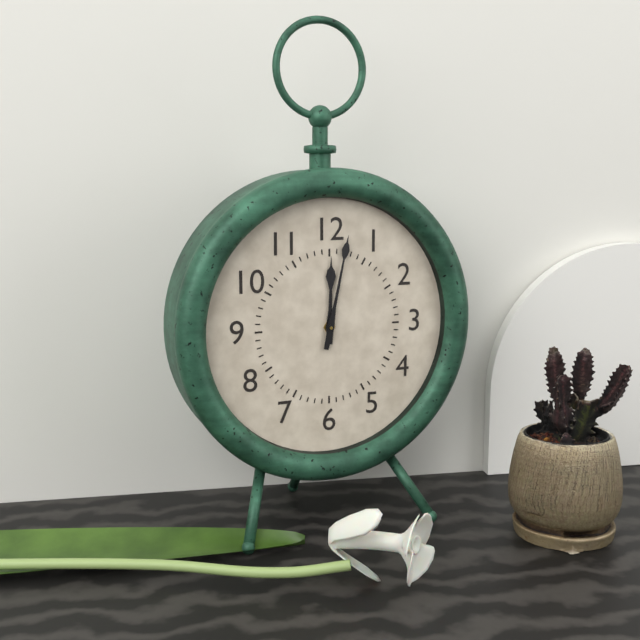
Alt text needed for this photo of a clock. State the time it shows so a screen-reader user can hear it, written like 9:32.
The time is 12:02
